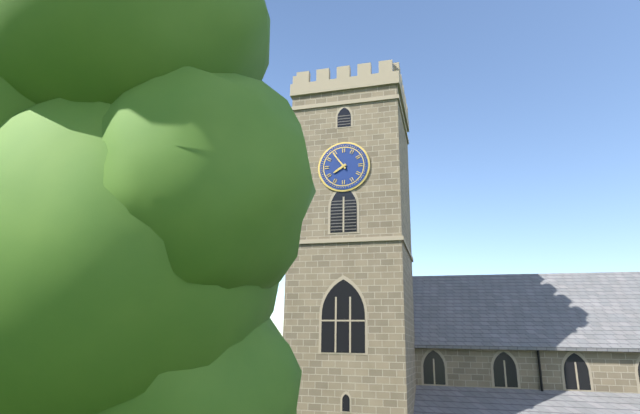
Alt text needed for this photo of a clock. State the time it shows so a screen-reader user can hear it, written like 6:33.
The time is 7:54
